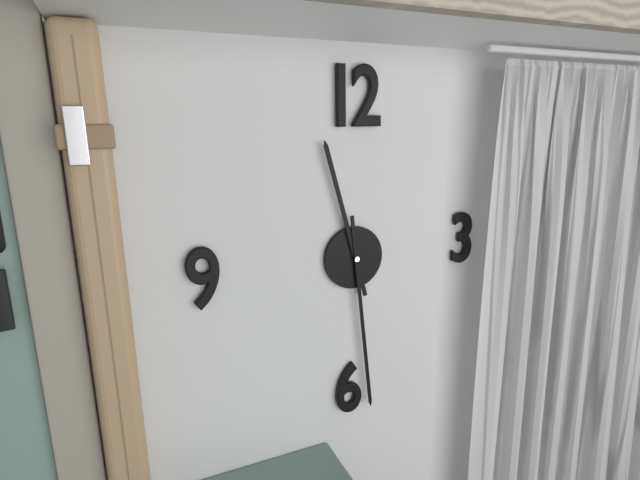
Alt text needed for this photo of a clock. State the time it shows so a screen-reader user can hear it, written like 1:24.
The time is 11:29
